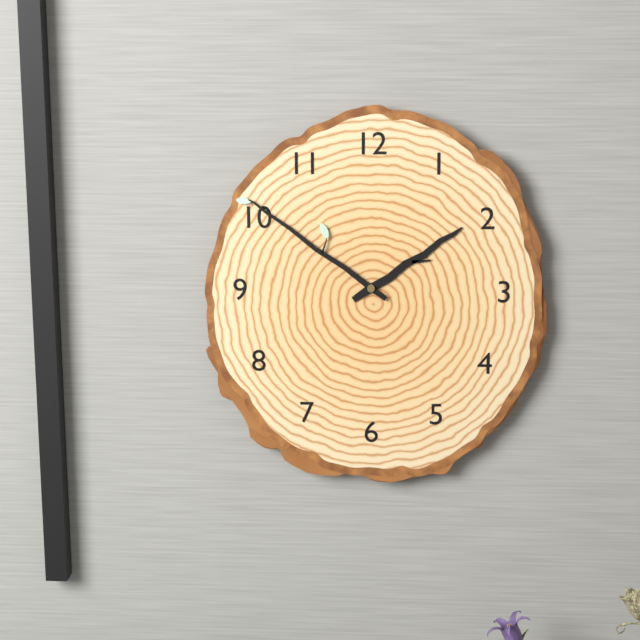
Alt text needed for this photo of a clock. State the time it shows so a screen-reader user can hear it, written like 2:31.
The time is 1:51
